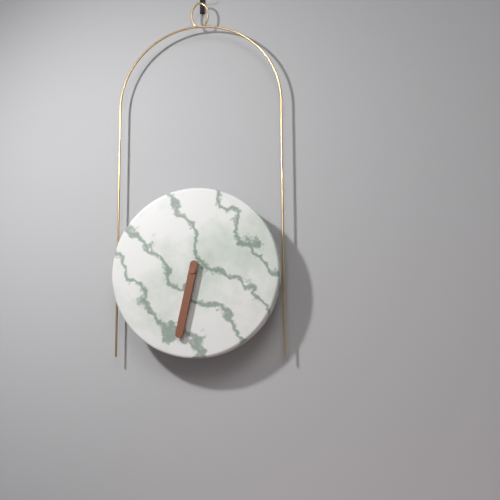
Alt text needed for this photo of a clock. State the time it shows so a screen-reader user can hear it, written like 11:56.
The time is 6:32
